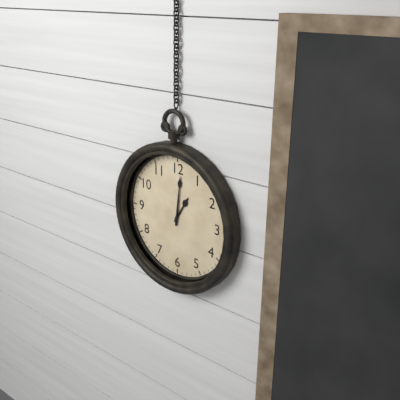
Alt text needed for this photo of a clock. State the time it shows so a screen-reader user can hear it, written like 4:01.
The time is 1:01
